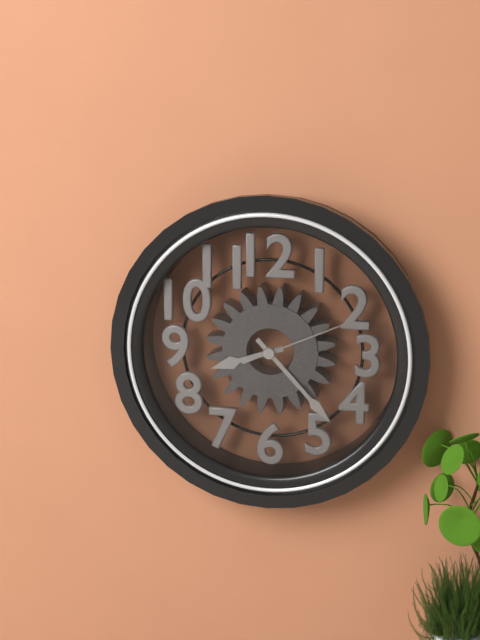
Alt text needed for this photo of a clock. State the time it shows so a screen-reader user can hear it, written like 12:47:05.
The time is 8:23:11
